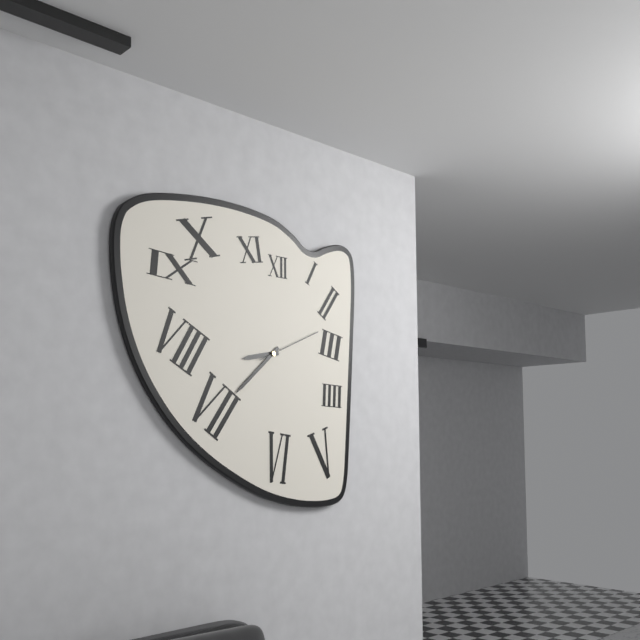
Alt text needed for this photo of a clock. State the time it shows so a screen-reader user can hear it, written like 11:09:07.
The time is 8:38:11
